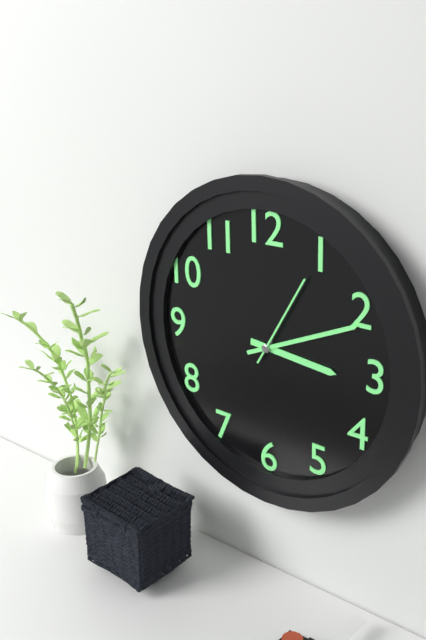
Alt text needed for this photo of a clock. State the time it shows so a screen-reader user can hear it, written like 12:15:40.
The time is 3:11:05
